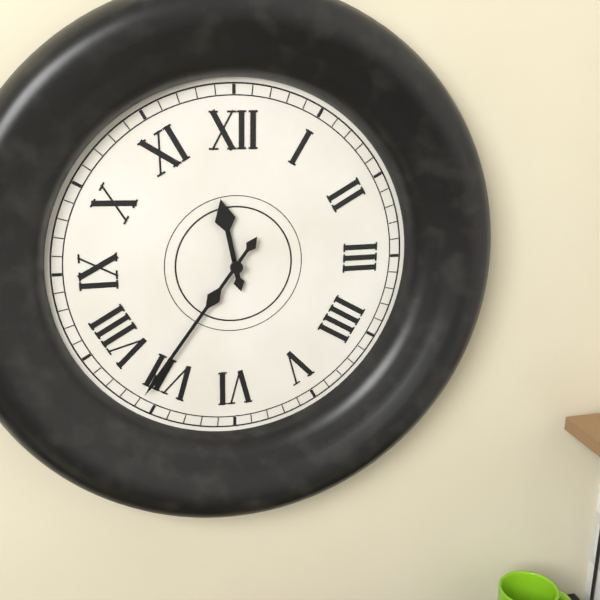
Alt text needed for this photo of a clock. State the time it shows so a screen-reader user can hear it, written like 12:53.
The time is 11:36
